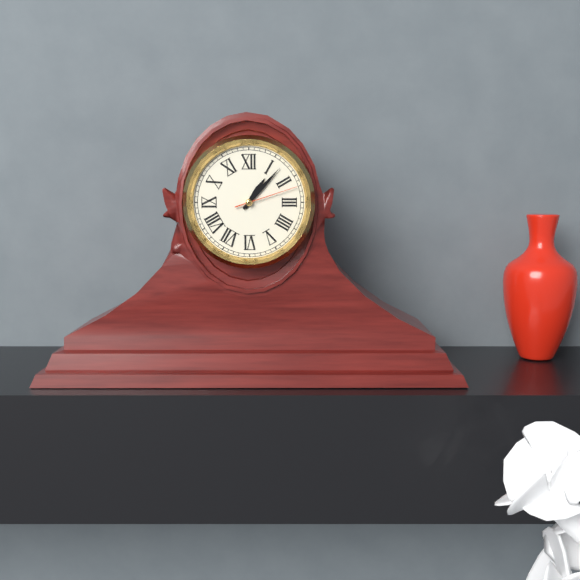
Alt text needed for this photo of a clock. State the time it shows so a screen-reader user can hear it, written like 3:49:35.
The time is 1:07:12
